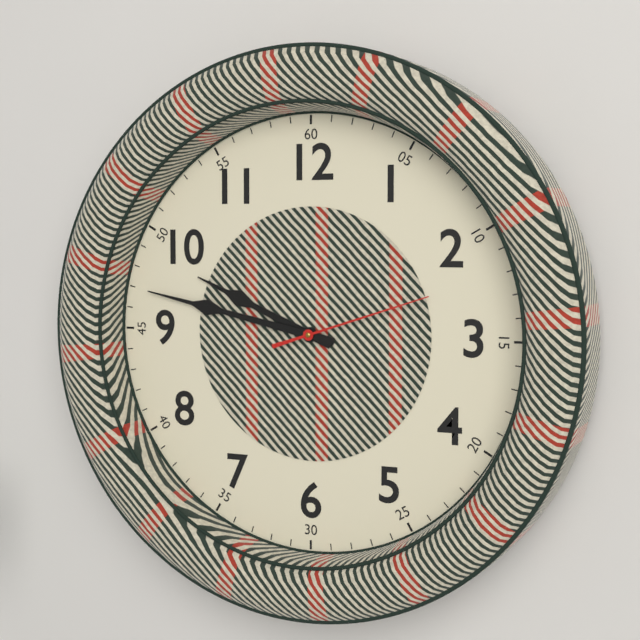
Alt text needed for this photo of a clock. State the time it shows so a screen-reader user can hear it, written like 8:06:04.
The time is 9:47:12
